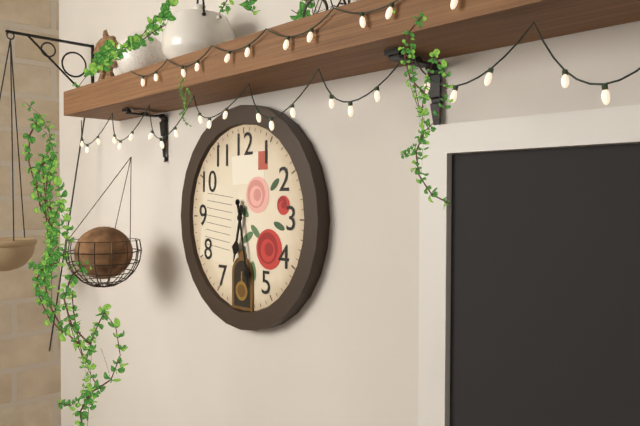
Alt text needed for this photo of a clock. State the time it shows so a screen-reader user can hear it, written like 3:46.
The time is 6:28
